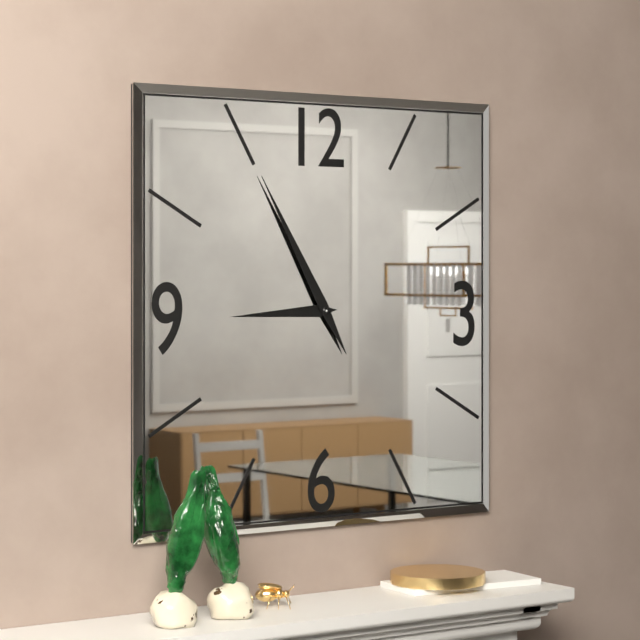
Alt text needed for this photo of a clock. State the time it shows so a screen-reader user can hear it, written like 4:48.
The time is 8:55
